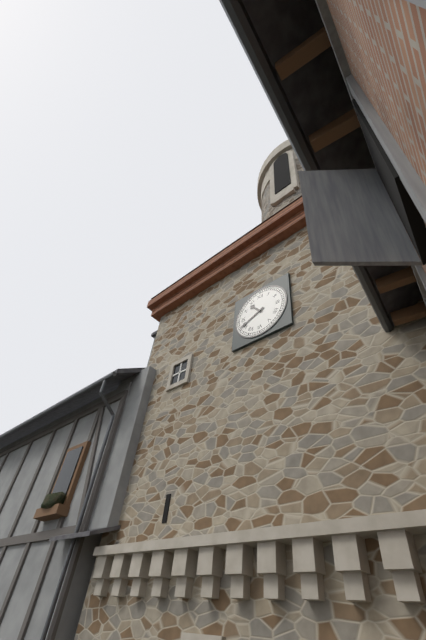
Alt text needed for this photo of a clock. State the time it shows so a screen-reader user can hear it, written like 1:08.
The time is 10:41
